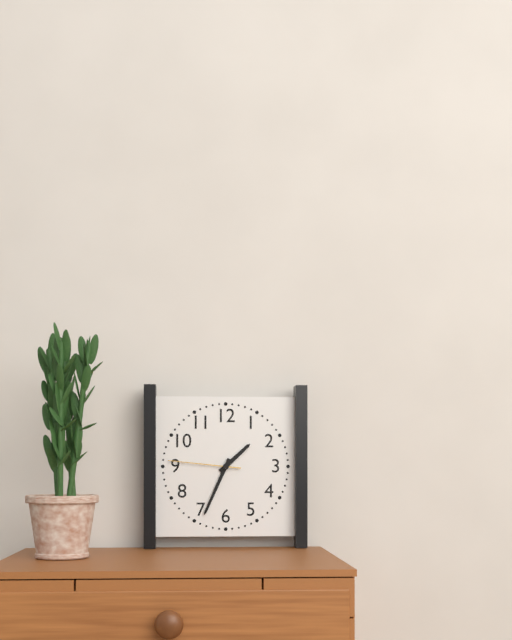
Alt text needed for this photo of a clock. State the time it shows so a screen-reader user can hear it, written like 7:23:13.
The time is 1:34:46
